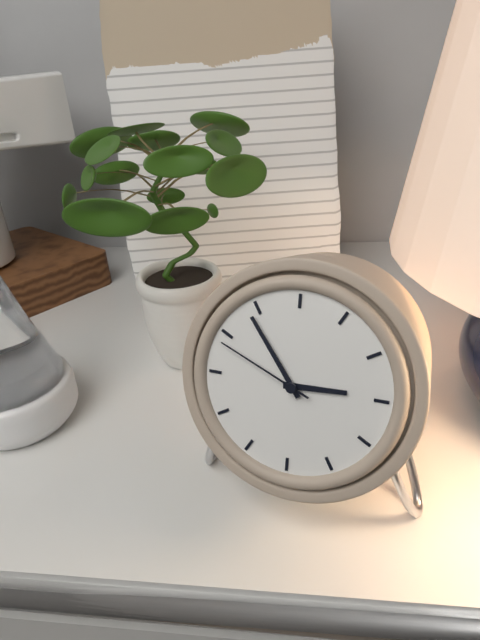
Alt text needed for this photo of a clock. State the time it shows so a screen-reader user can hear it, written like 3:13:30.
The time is 2:54:49
